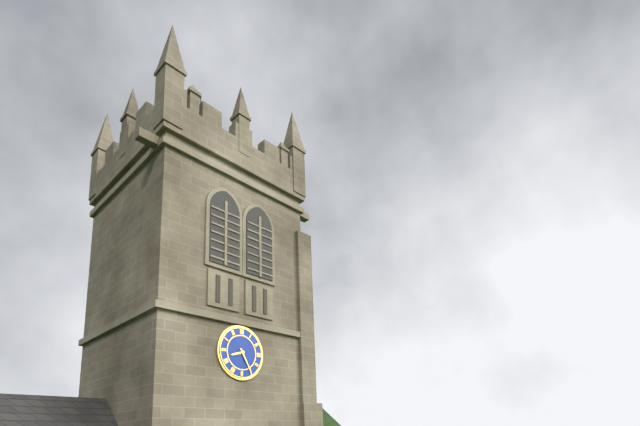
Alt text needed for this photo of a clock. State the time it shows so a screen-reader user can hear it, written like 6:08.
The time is 8:25
